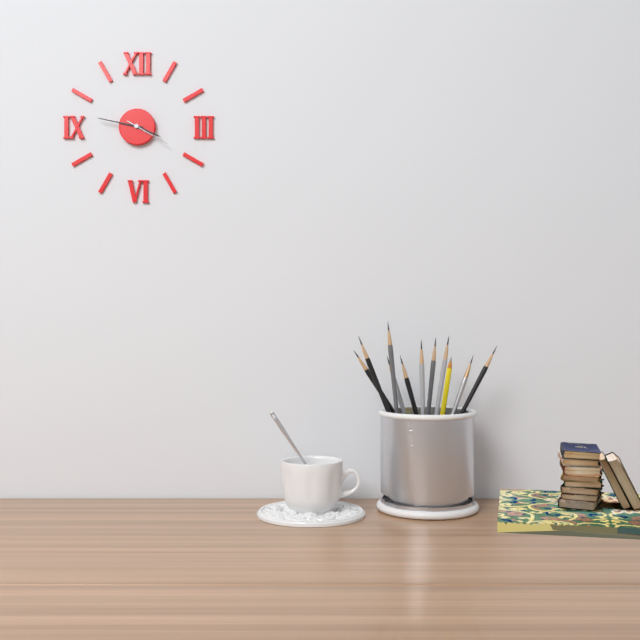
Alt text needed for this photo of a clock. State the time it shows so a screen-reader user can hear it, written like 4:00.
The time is 3:47
